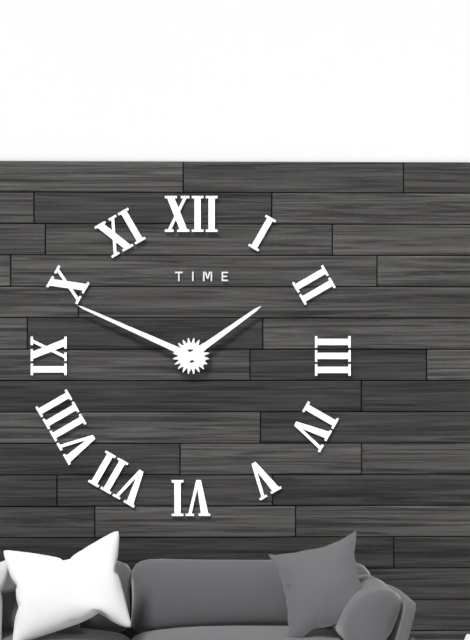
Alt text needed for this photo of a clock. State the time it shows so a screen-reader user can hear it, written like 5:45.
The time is 1:49
